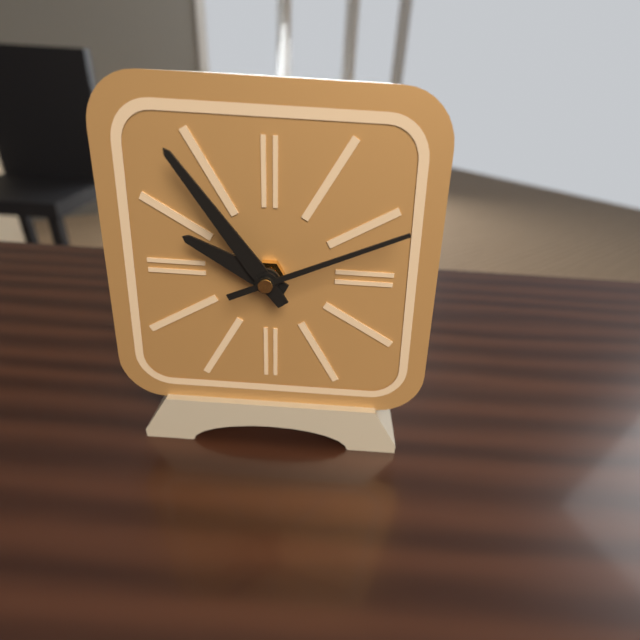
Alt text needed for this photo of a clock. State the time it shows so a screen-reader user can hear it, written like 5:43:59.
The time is 9:54:11
